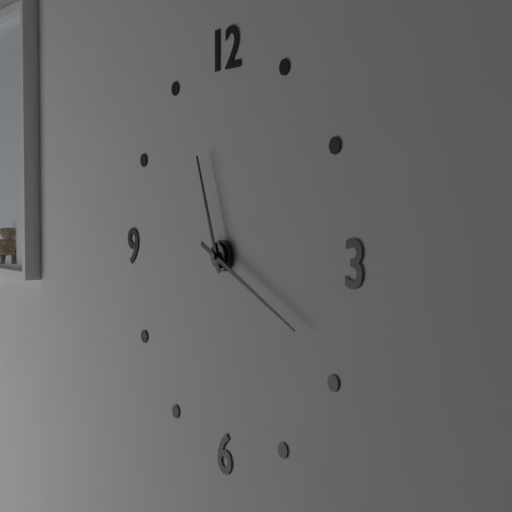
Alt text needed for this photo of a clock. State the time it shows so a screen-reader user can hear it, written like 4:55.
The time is 11:19
